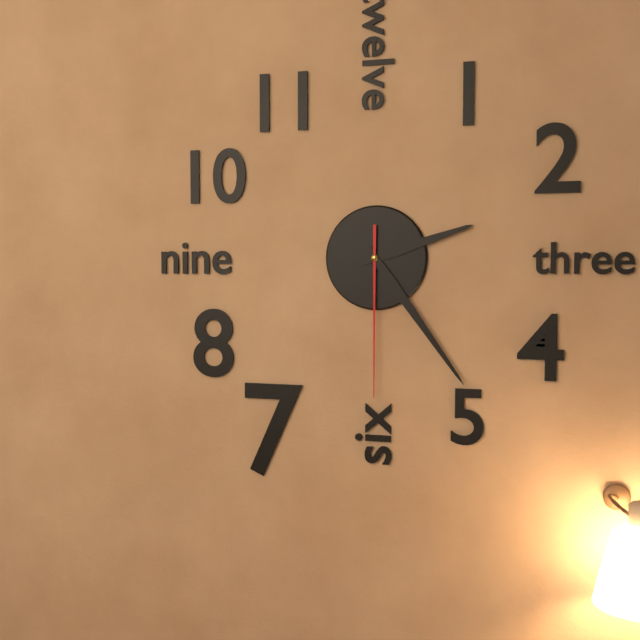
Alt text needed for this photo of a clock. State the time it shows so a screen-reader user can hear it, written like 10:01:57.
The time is 2:24:30
